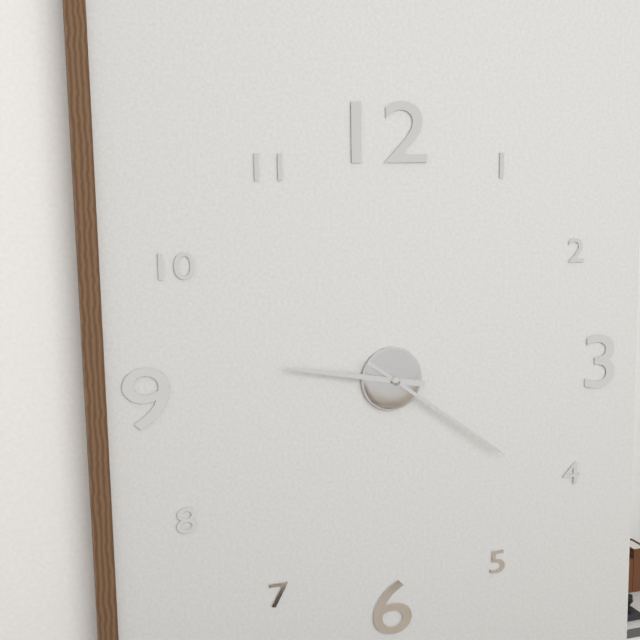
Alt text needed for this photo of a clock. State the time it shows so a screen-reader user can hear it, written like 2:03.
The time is 9:21
